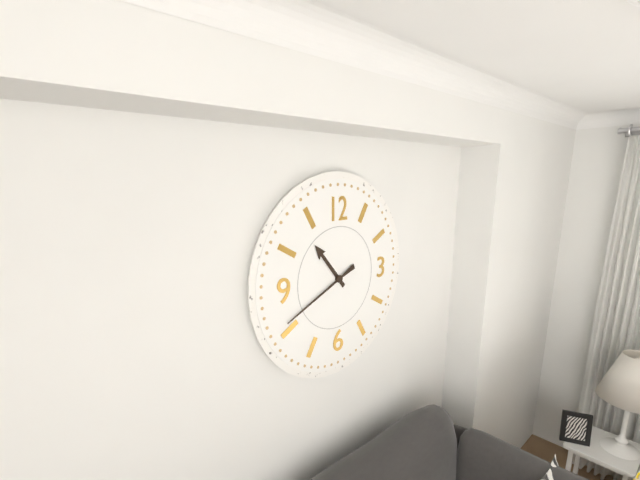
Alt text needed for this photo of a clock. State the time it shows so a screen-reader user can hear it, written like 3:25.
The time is 10:41
